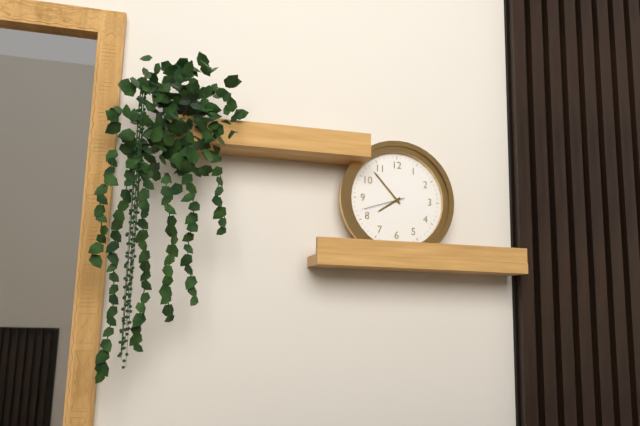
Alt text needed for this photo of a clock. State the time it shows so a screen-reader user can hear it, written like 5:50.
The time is 7:53
